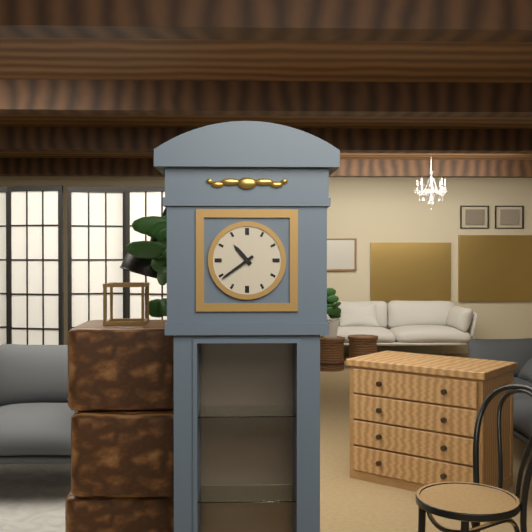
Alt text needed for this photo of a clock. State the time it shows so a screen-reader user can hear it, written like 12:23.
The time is 10:39
